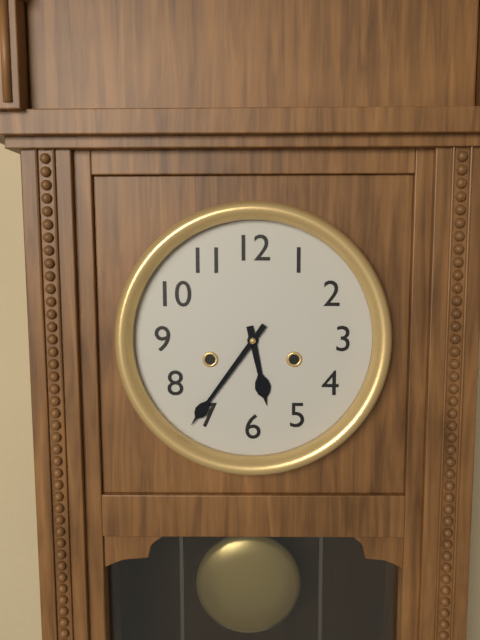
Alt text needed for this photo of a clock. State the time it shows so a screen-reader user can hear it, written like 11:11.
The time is 5:36
